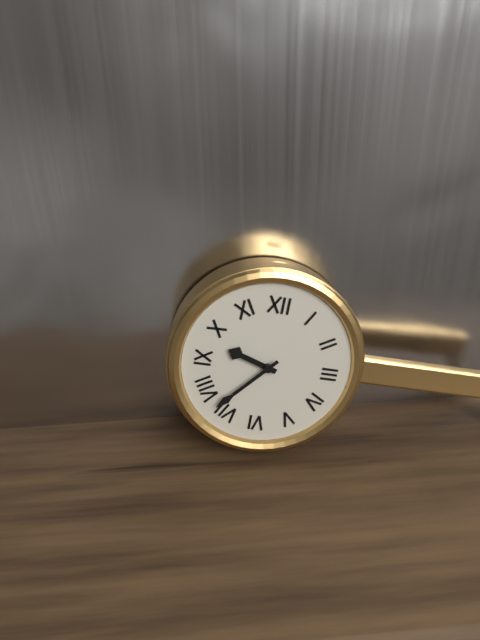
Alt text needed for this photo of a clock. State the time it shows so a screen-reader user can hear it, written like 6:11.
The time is 9:37
